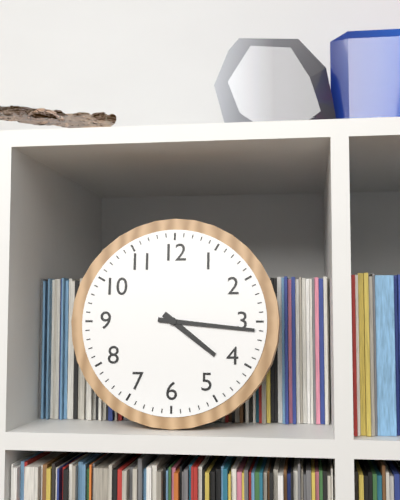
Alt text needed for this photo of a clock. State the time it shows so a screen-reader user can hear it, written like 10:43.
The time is 4:16
